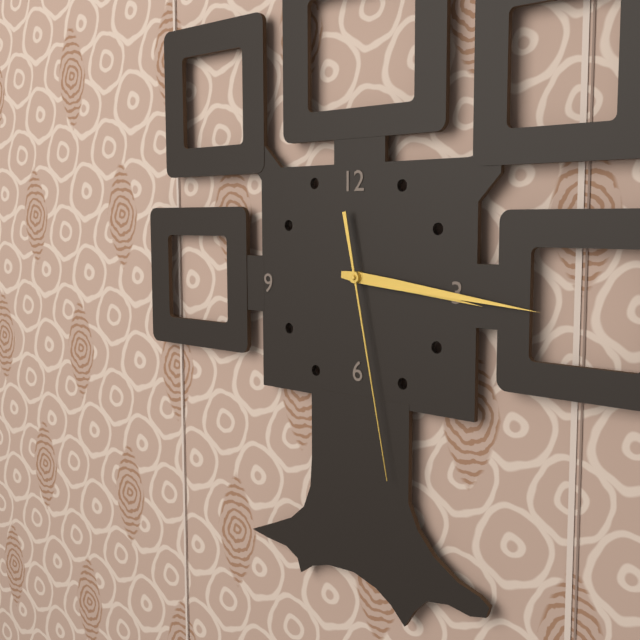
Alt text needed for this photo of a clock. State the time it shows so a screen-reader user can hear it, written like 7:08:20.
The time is 3:16:28
